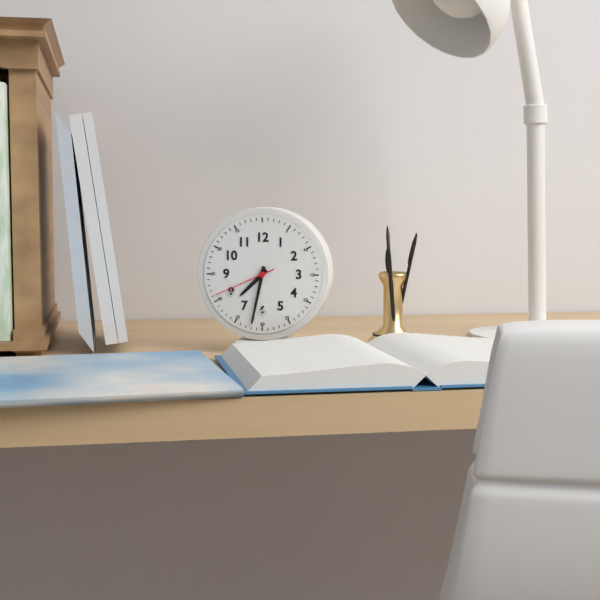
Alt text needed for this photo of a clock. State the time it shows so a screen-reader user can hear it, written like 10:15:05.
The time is 7:32:41
